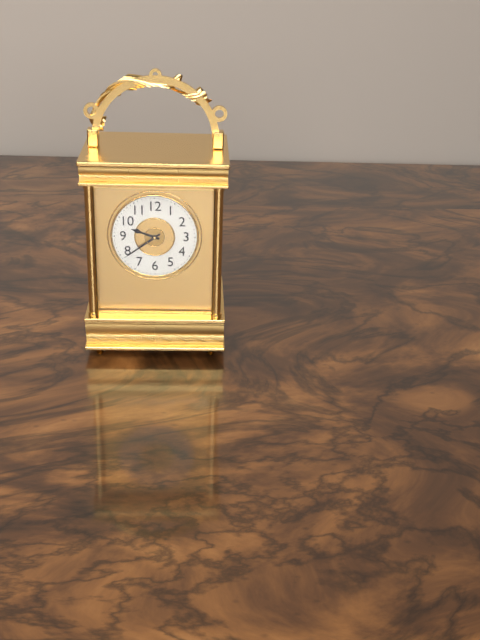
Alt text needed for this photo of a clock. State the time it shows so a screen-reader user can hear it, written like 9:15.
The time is 9:39
